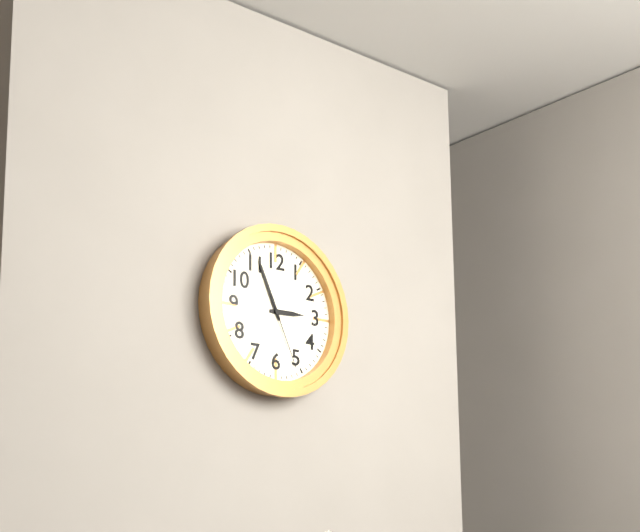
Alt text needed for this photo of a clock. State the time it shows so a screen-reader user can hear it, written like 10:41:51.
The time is 2:56:26
